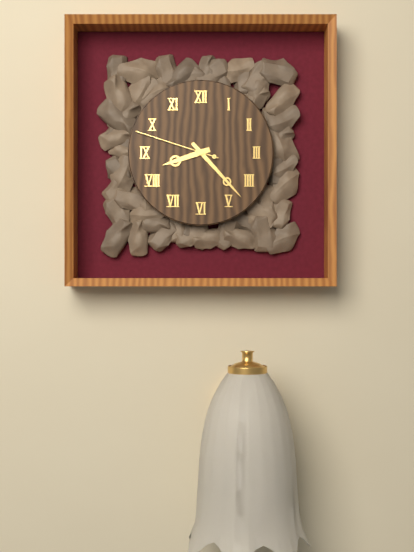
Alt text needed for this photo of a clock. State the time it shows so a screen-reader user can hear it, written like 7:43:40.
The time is 8:23:48
